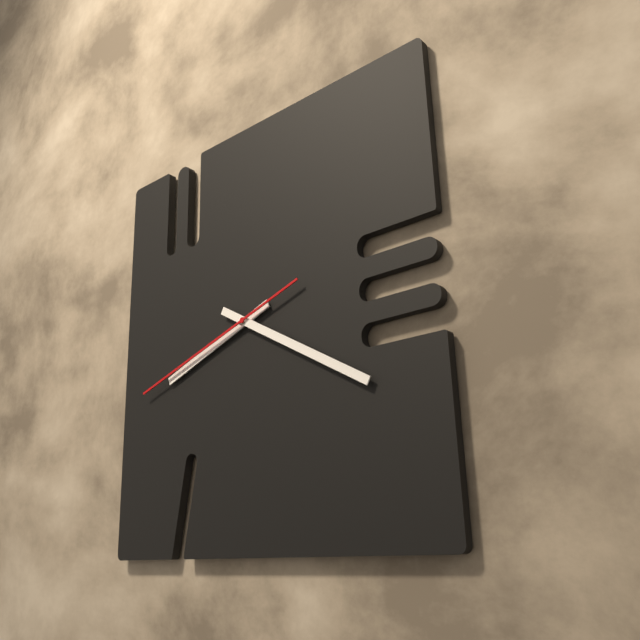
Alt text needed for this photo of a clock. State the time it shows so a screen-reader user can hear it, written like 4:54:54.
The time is 8:20:42
